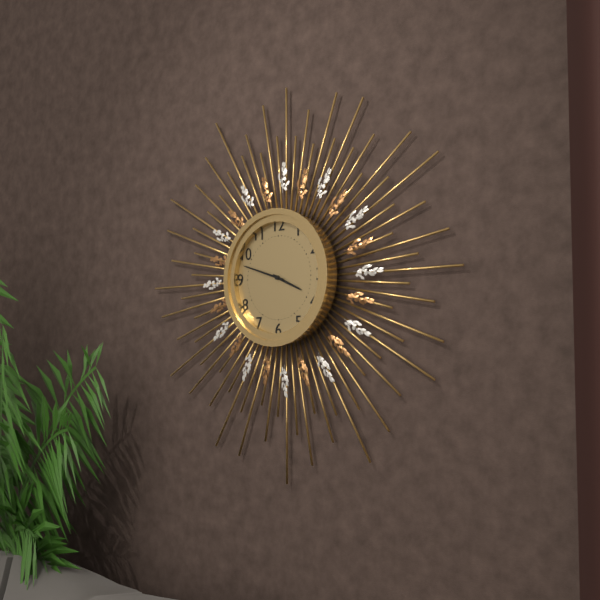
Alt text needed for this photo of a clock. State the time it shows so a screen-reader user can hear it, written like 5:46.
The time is 3:48
